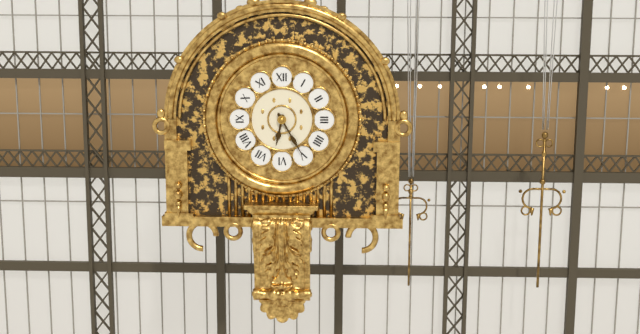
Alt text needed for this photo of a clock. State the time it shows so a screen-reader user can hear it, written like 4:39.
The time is 6:25
